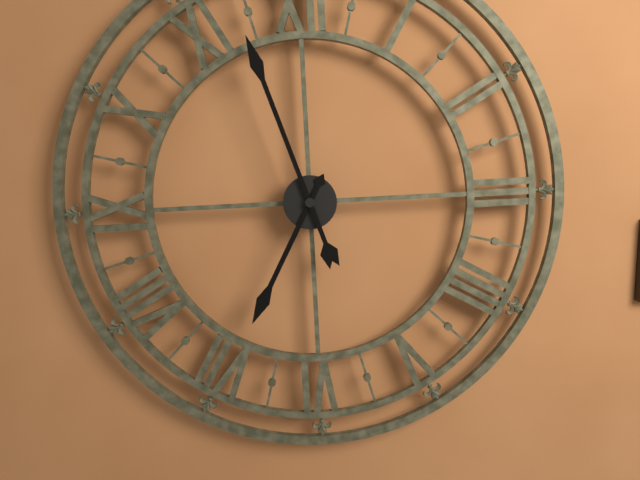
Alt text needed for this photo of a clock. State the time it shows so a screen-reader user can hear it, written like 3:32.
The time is 6:57
